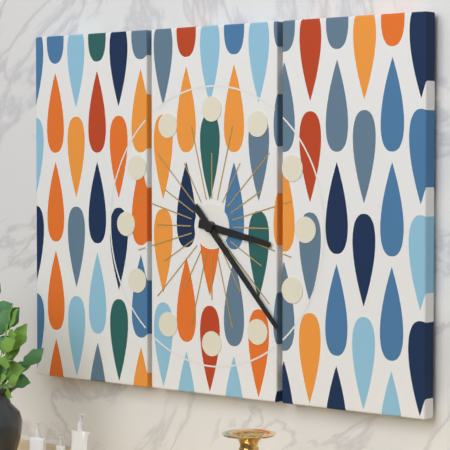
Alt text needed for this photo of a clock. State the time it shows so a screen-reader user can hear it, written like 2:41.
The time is 3:23
